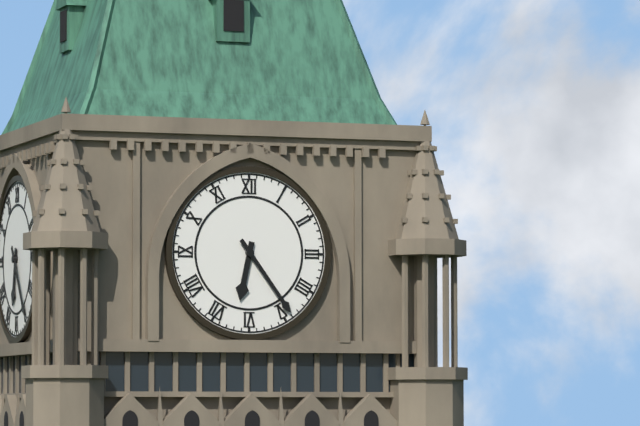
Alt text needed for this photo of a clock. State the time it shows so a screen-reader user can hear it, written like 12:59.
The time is 6:24
